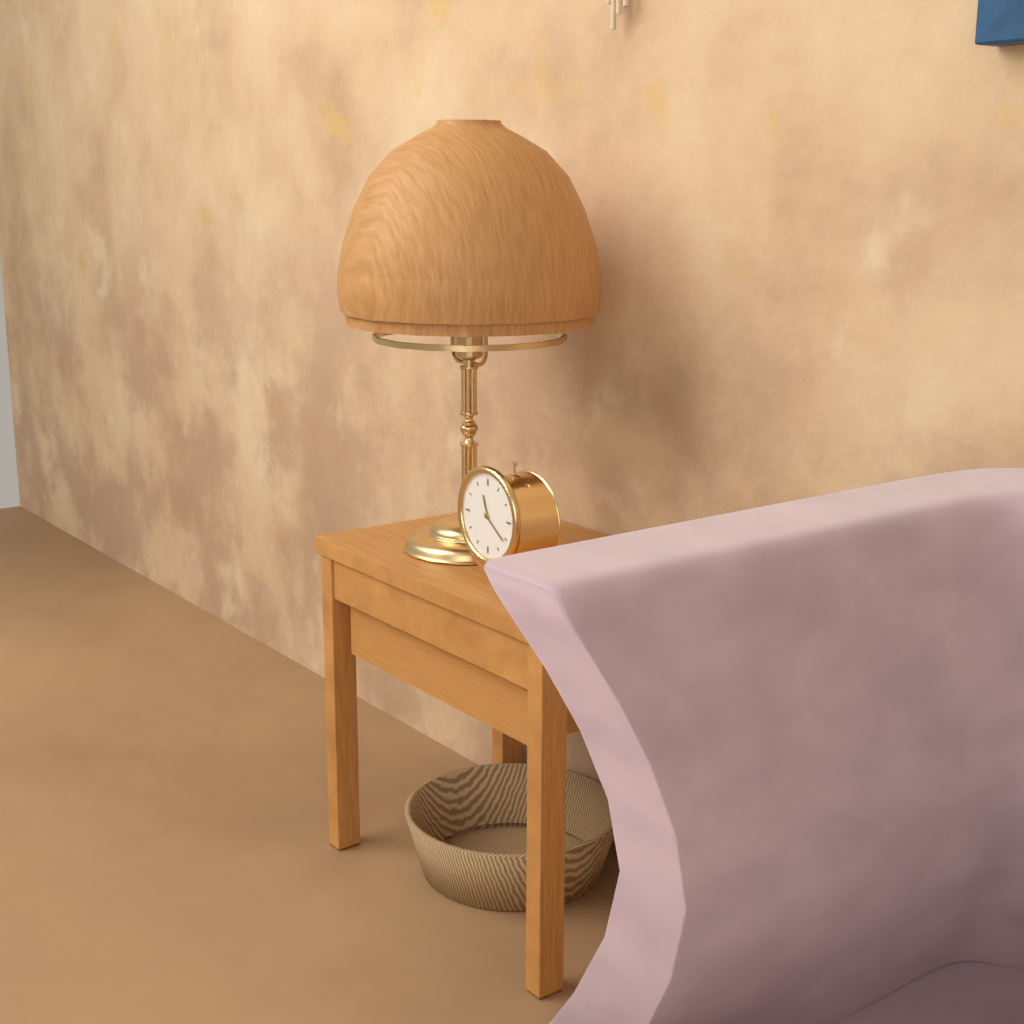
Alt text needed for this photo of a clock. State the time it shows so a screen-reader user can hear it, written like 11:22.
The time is 11:21
